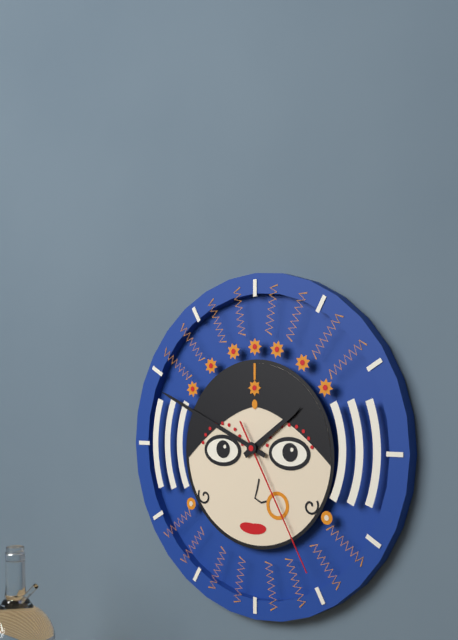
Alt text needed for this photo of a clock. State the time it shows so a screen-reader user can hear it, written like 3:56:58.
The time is 1:49:25
